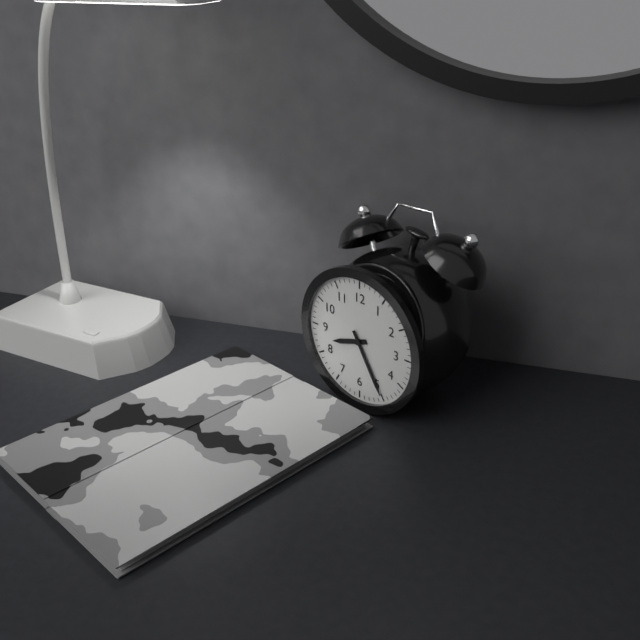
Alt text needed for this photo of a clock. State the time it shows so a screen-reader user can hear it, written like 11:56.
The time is 8:25
